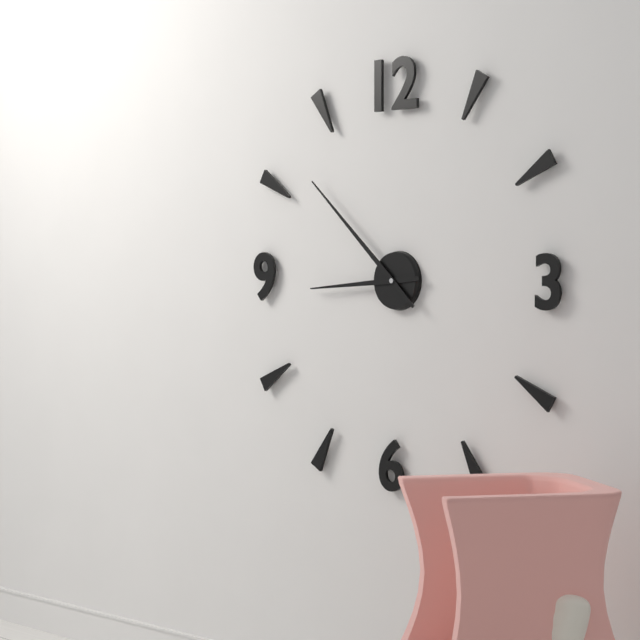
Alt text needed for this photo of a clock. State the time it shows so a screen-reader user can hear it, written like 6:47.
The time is 8:52
